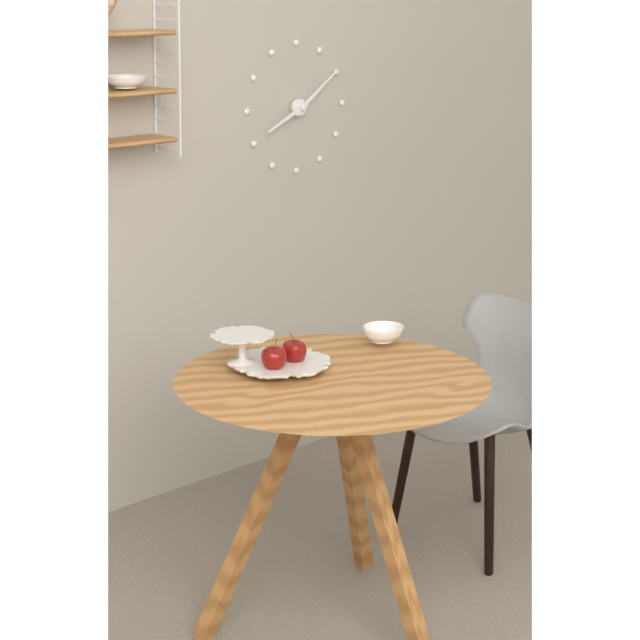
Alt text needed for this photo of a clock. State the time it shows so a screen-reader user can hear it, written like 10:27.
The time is 8:09
